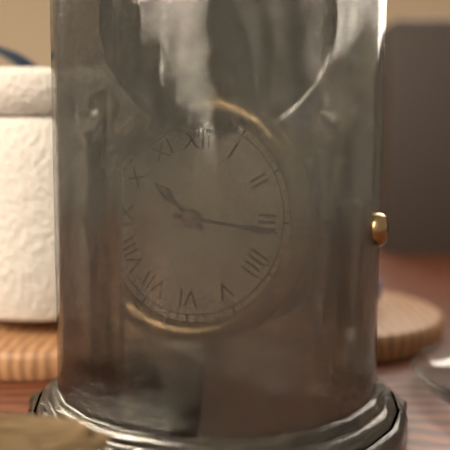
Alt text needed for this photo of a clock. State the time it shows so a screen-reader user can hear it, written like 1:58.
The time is 10:16
